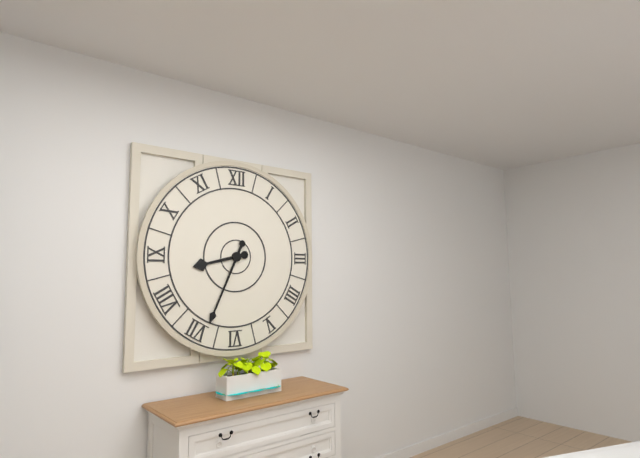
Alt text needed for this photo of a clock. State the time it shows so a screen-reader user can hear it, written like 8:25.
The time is 8:34
